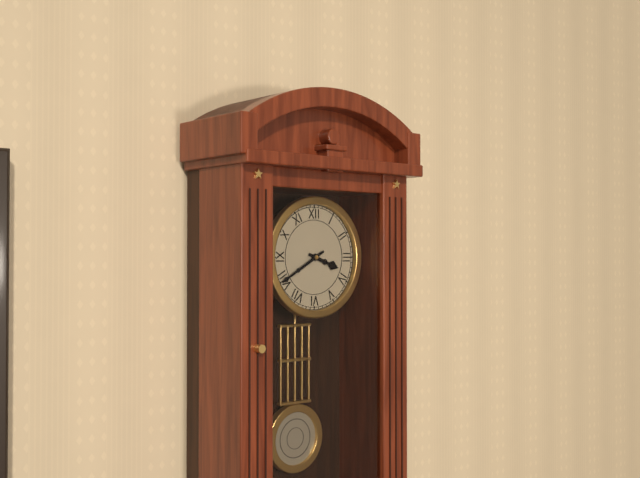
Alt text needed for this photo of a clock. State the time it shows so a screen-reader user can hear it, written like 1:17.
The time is 3:40
